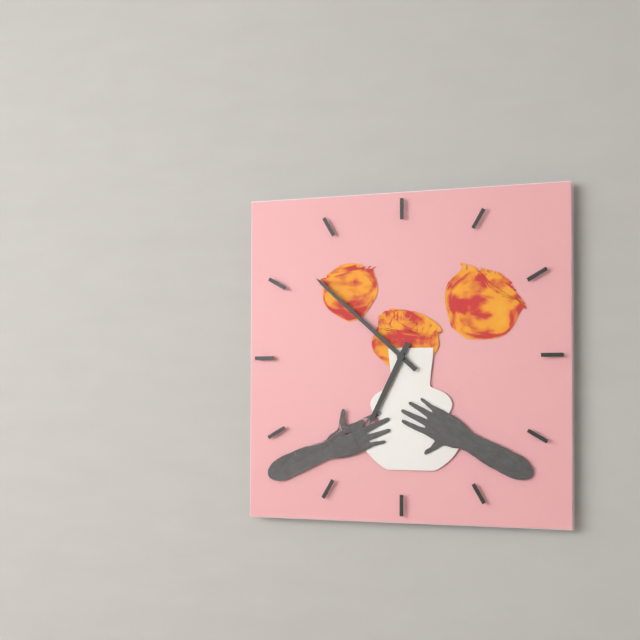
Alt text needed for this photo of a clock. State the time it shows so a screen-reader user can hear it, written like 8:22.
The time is 6:52
